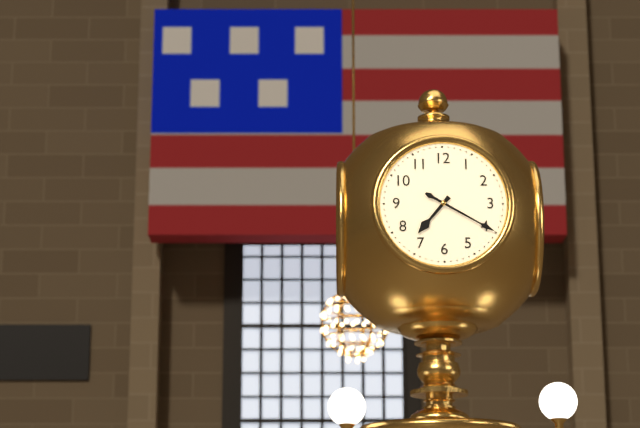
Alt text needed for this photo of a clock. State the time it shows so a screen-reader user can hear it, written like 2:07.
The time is 7:20
